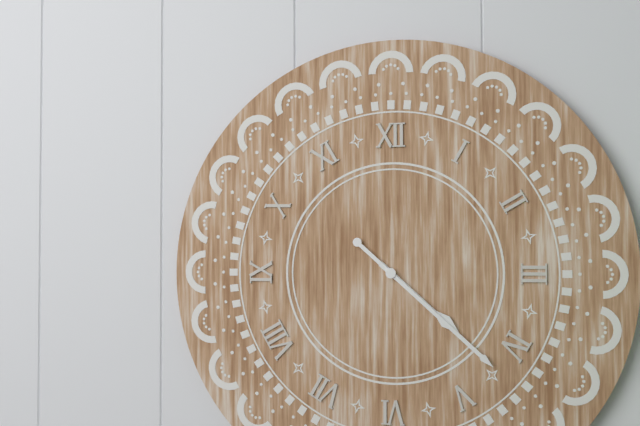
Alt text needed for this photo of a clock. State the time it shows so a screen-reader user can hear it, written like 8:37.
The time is 4:22
